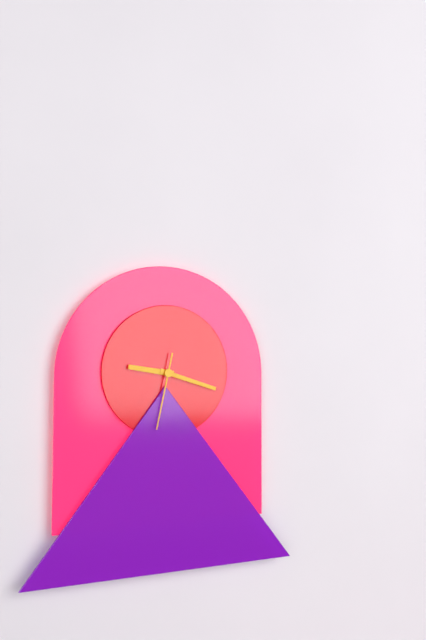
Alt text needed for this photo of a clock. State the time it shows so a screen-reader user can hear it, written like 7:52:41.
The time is 9:18:32
